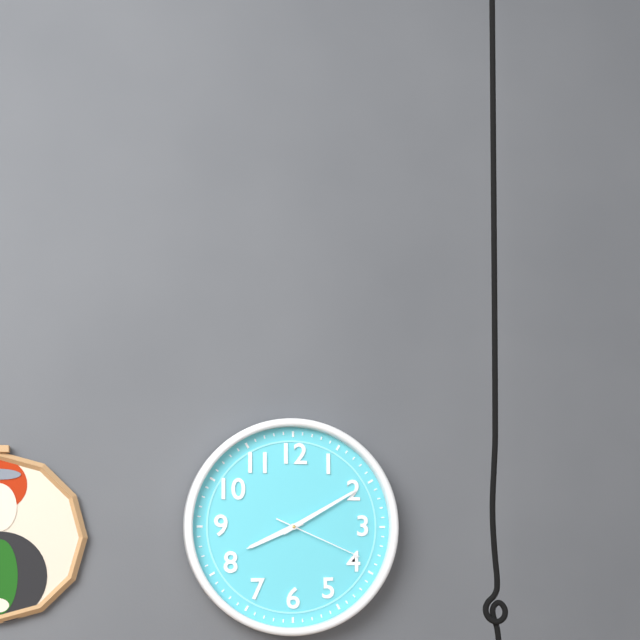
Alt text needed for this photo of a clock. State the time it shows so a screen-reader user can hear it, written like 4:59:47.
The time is 8:10:19
